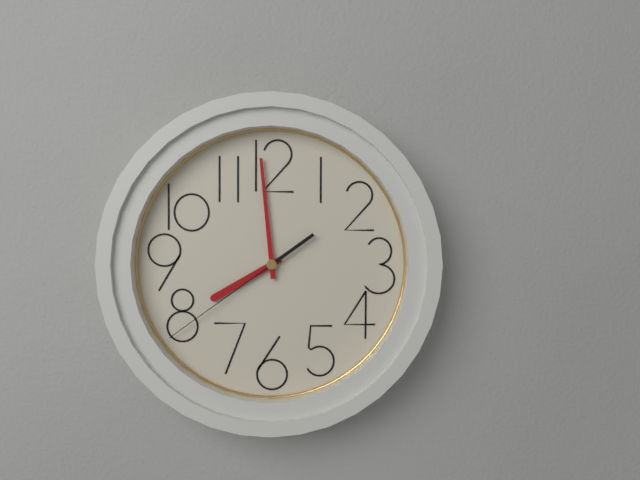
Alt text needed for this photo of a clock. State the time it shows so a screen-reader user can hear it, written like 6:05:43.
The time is 7:59:39
